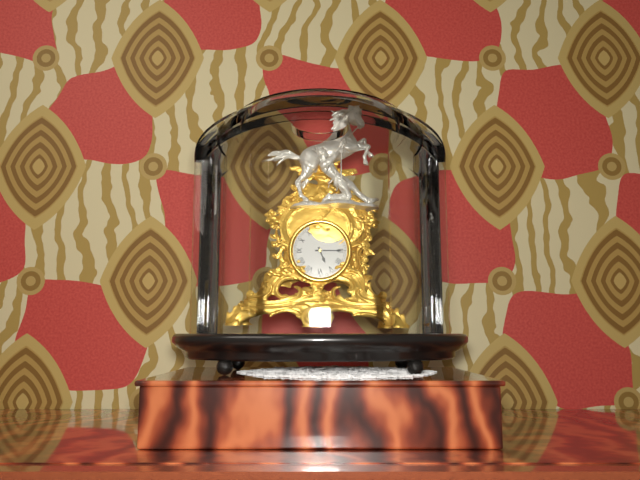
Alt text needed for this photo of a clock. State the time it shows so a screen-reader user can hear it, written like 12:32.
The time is 5:15
